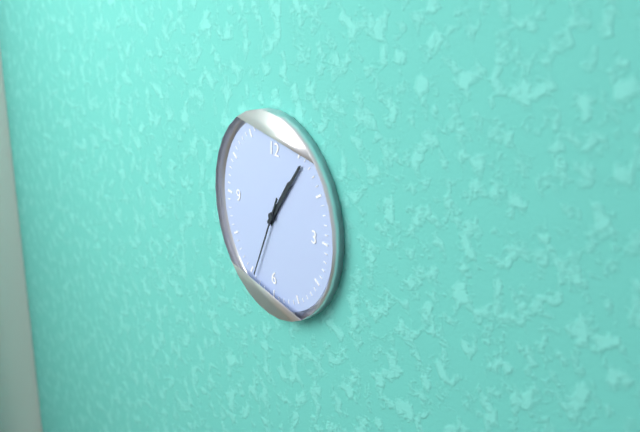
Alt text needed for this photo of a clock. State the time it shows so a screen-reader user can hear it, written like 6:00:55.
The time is 1:06:34
